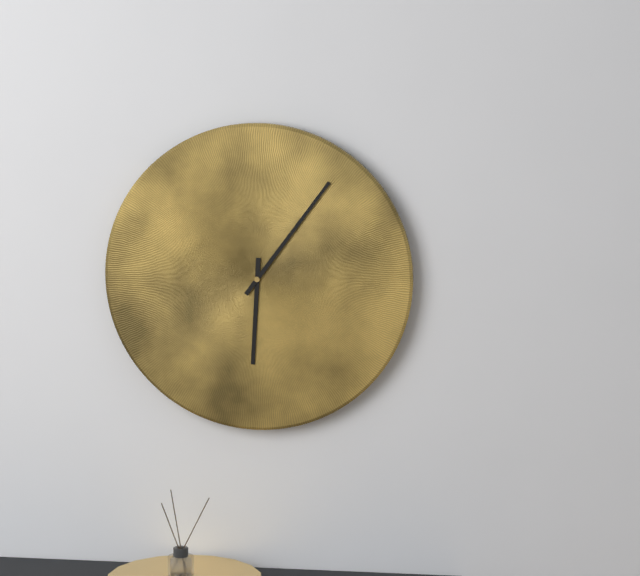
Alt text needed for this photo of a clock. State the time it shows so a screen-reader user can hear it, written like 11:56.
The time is 6:06
